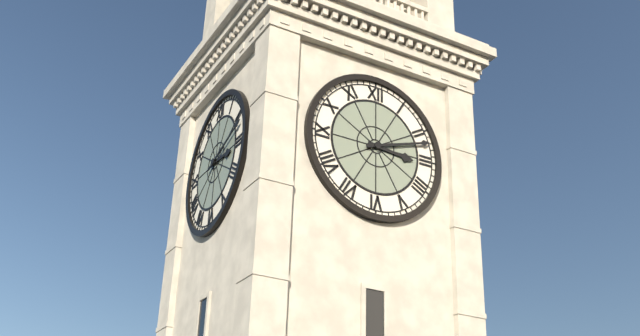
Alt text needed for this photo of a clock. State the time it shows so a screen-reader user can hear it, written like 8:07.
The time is 3:12
